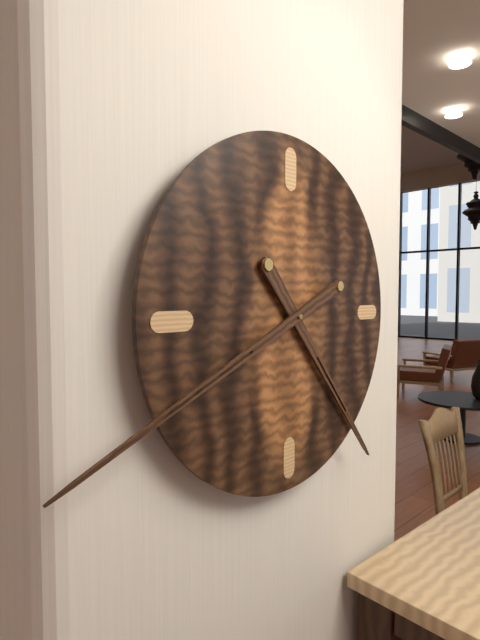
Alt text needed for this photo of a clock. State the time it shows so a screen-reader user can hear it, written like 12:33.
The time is 4:41
